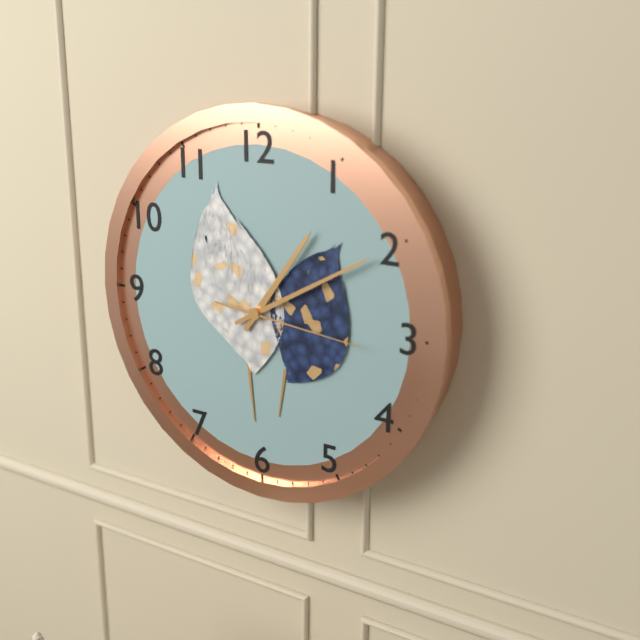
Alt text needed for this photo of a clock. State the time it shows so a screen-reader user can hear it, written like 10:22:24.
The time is 1:10:16
